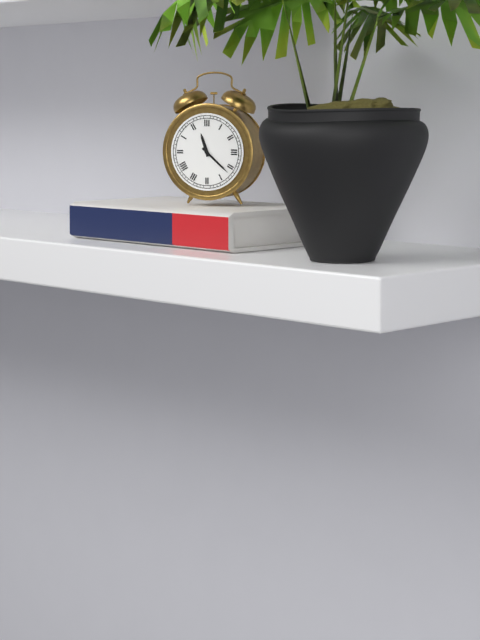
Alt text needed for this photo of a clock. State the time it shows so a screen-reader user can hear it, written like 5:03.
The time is 11:22
